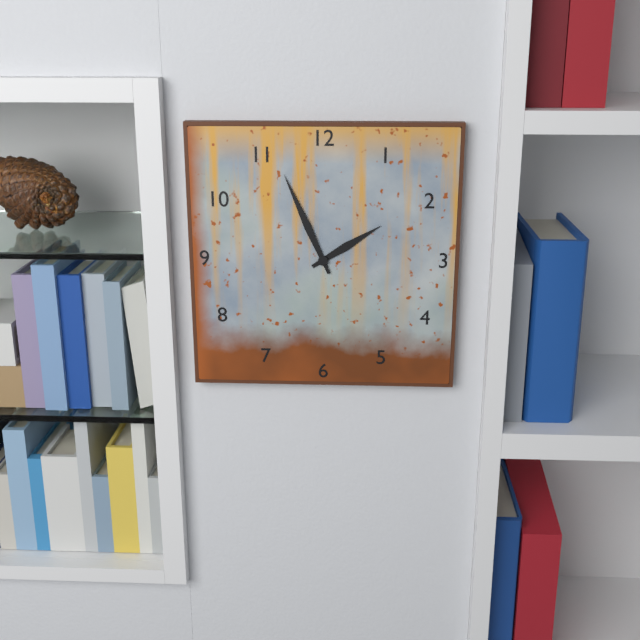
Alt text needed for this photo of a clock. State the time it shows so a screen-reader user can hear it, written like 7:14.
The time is 1:56
